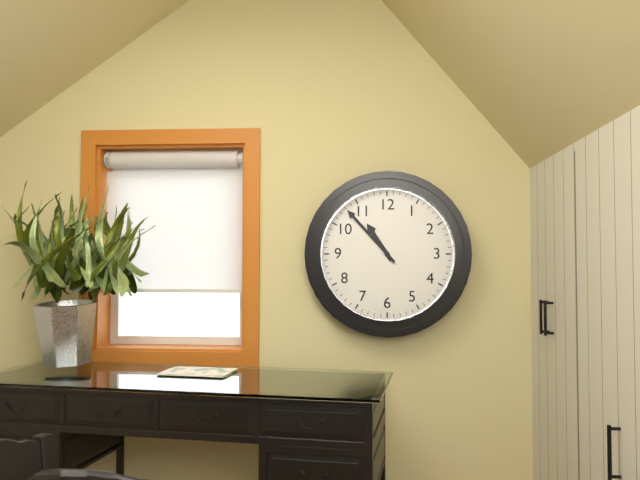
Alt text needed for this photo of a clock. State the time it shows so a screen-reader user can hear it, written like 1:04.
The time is 10:53
